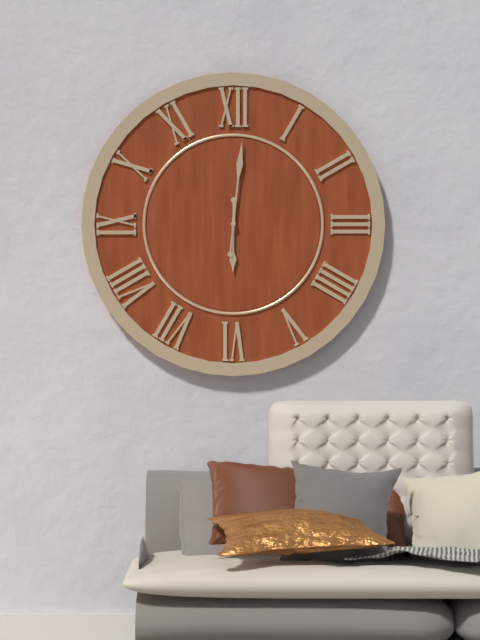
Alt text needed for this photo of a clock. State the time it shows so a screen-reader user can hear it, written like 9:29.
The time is 6:01
